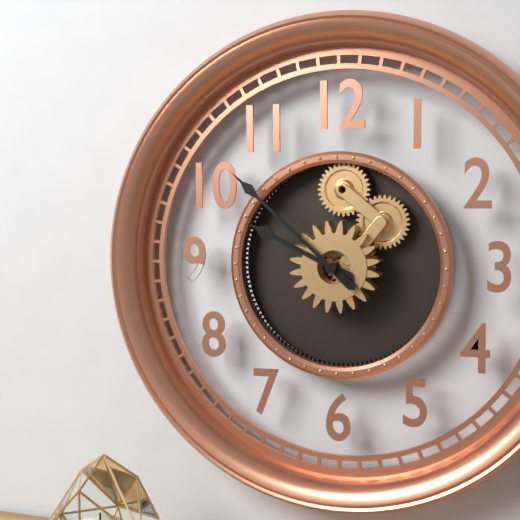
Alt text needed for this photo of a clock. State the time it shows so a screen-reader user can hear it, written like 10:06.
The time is 9:52
